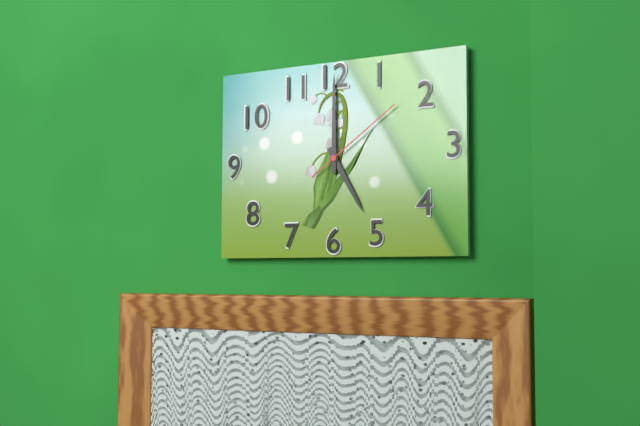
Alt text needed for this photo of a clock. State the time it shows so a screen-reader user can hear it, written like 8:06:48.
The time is 5:00:09
